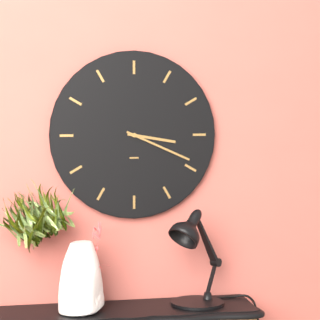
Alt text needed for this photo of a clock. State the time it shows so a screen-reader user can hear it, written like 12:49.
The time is 3:19
